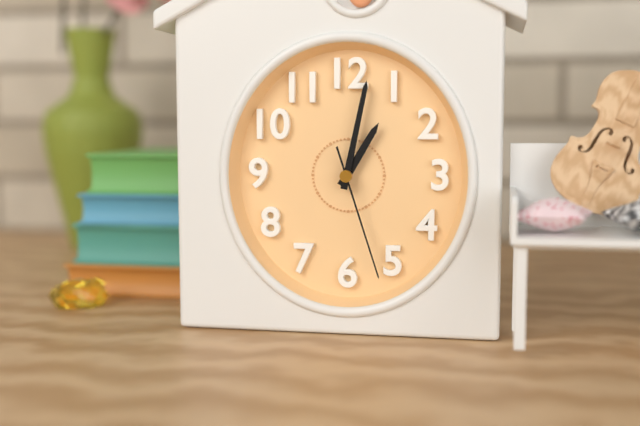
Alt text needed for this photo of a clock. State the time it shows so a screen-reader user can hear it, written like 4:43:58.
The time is 1:02:27
